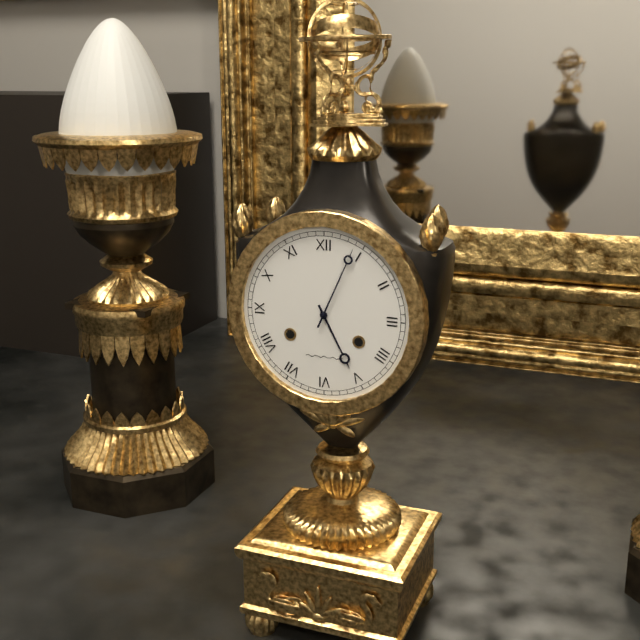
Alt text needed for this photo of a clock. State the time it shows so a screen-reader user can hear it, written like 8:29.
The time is 5:04
